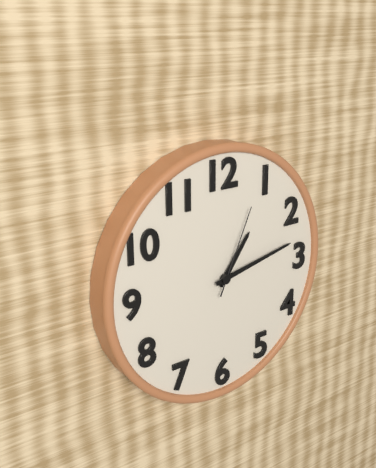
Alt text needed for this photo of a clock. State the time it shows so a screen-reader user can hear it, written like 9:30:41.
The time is 1:13:04
